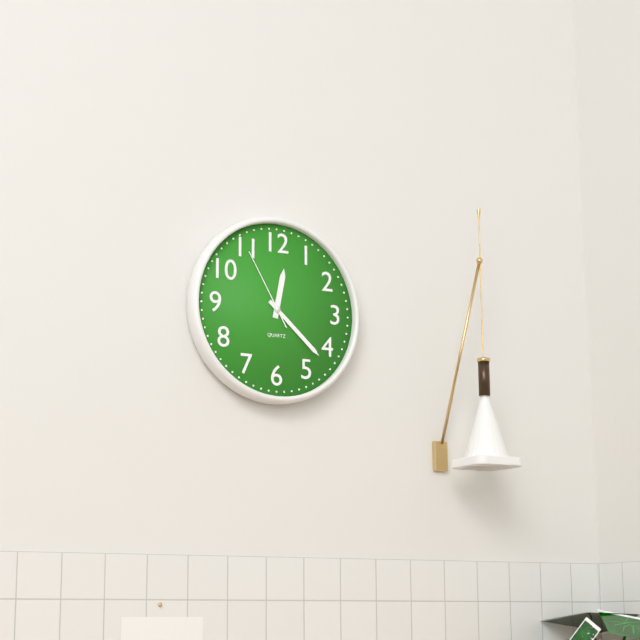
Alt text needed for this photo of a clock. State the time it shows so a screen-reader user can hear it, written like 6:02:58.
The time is 12:22:55
